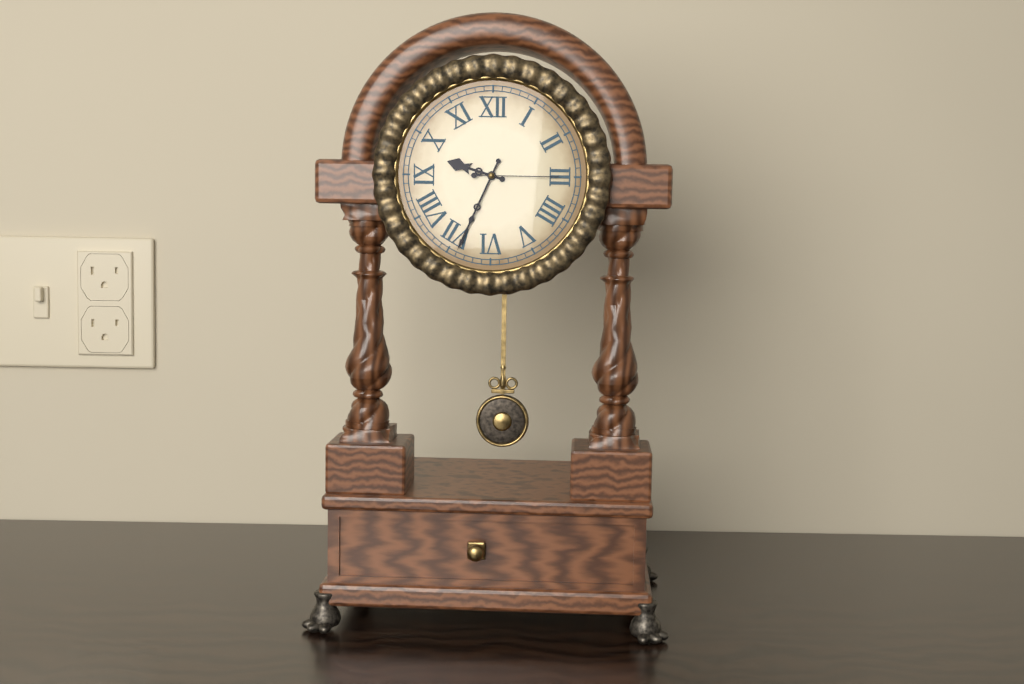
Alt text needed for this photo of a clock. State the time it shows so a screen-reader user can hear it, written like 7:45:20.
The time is 9:34:15
